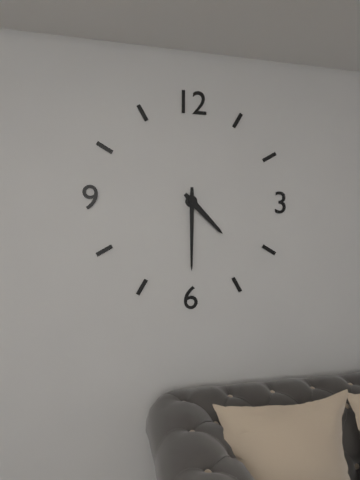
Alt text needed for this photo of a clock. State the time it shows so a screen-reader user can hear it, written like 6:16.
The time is 4:30
